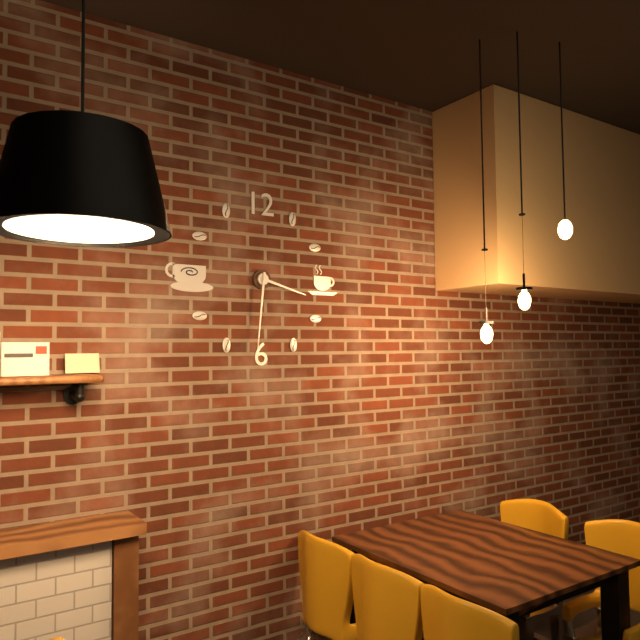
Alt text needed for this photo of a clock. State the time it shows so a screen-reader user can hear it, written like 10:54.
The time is 3:31
